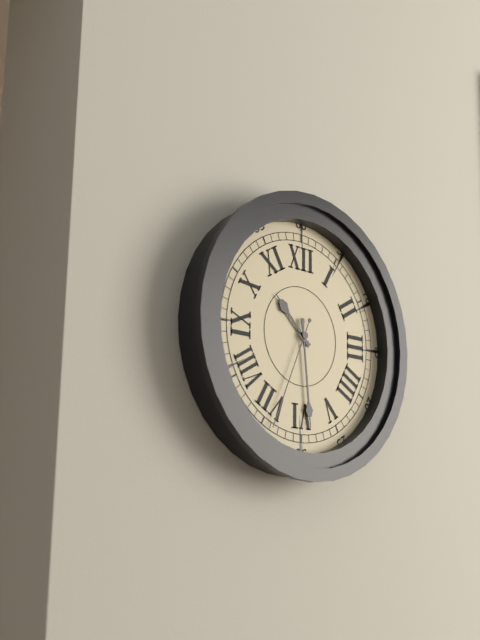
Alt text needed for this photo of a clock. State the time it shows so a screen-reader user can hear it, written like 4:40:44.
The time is 10:29:34
